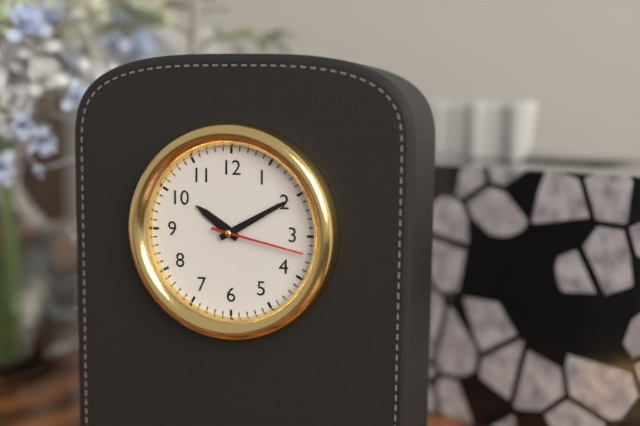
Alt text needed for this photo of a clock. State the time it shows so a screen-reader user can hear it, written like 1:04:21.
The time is 10:10:17
